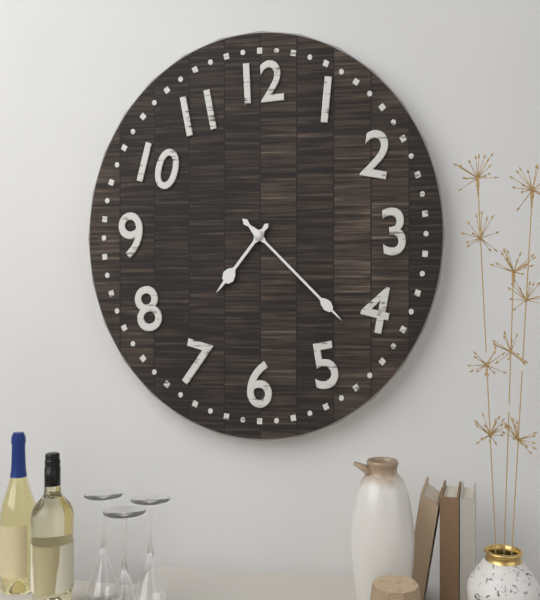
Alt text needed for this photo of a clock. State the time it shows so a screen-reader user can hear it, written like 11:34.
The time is 7:22
